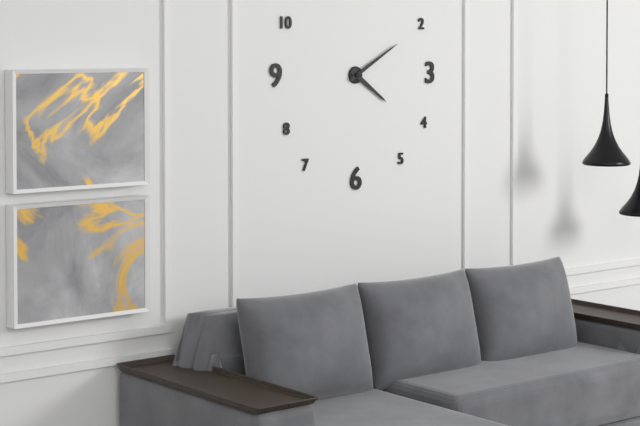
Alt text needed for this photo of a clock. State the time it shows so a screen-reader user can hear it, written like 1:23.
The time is 4:10
